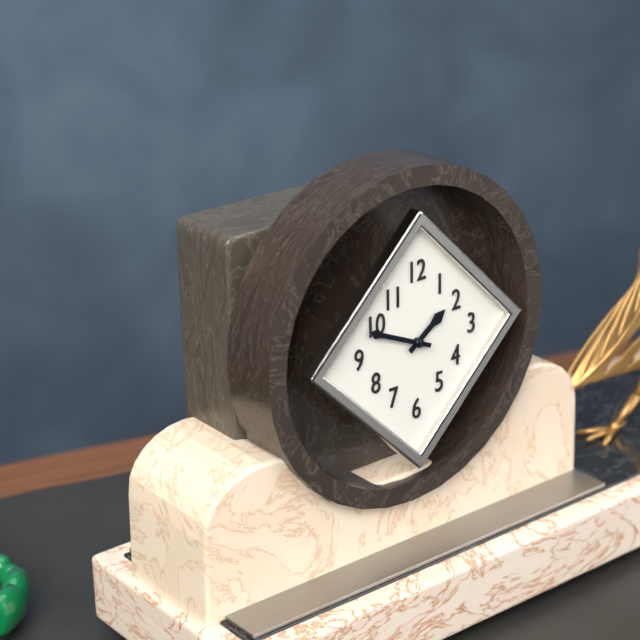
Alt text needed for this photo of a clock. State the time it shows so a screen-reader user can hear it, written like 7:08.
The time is 1:49
